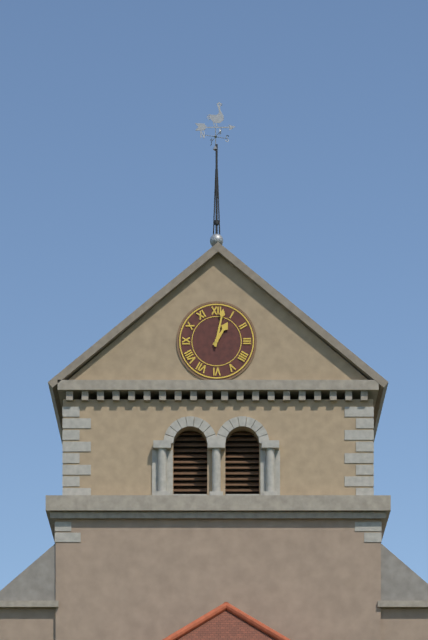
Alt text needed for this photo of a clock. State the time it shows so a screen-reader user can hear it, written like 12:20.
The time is 1:02
